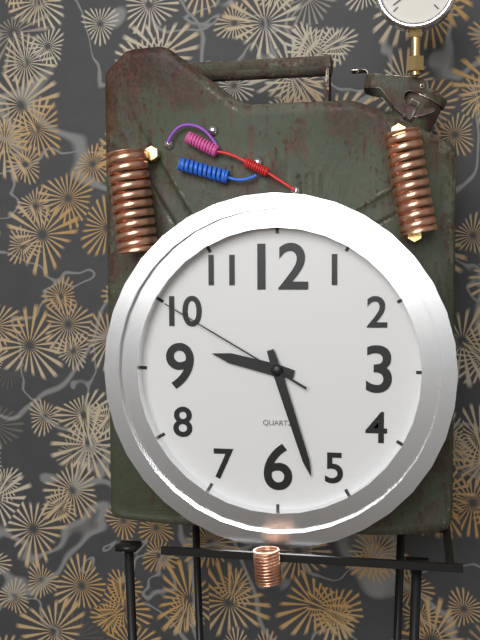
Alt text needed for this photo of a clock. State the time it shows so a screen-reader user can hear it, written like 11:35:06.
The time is 9:27:50
